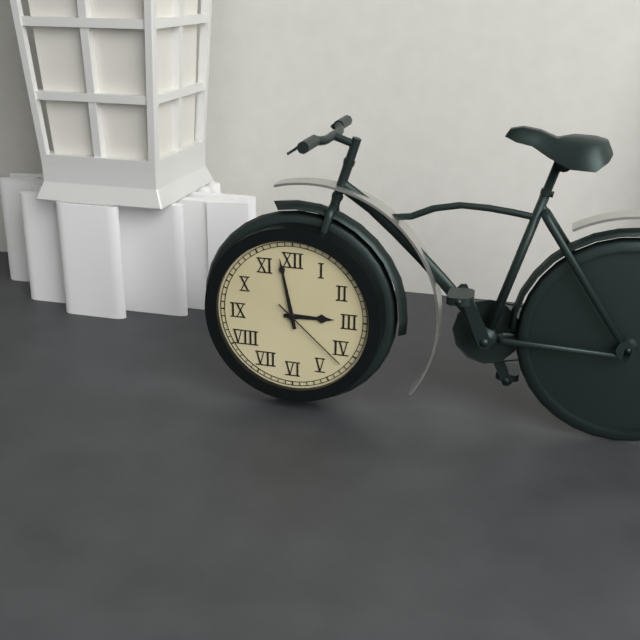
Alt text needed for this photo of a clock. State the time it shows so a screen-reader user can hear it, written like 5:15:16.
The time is 2:58:22
